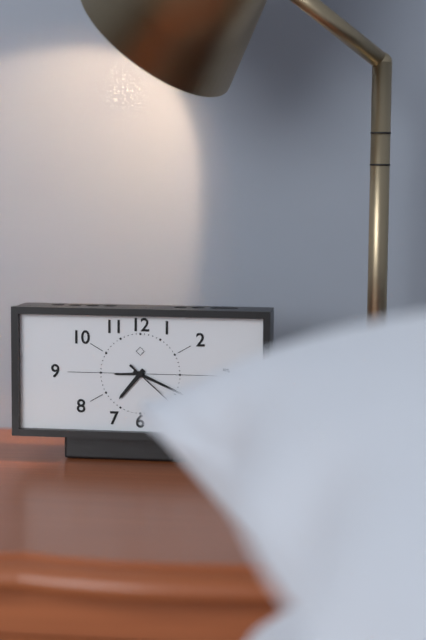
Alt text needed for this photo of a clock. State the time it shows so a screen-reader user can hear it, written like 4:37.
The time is 7:19
